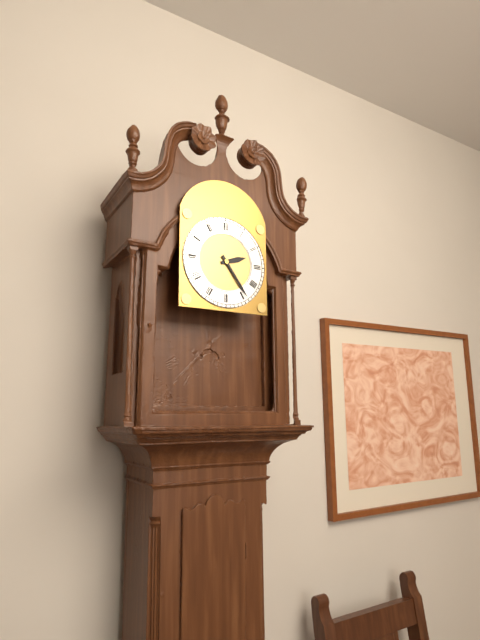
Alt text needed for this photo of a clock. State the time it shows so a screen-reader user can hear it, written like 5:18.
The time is 2:24
